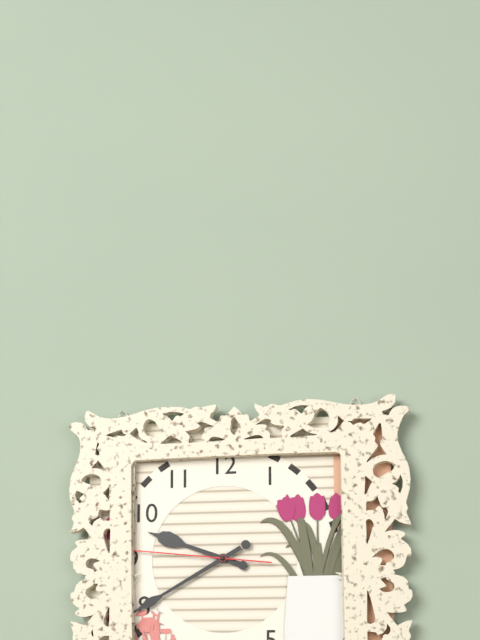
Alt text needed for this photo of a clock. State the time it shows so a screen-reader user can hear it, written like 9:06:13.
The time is 9:40:46
